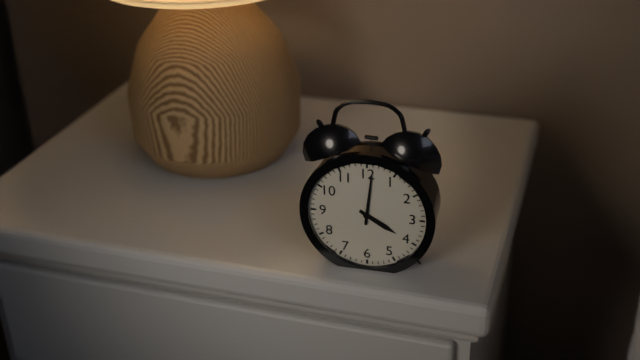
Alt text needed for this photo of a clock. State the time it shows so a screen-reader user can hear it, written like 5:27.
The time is 4:01
